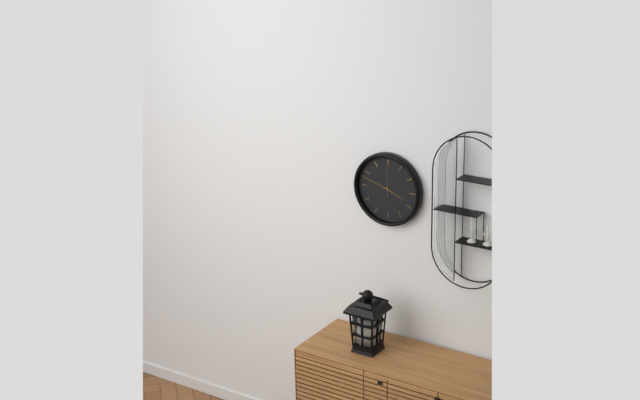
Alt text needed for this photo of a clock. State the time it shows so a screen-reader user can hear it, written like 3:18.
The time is 3:48
